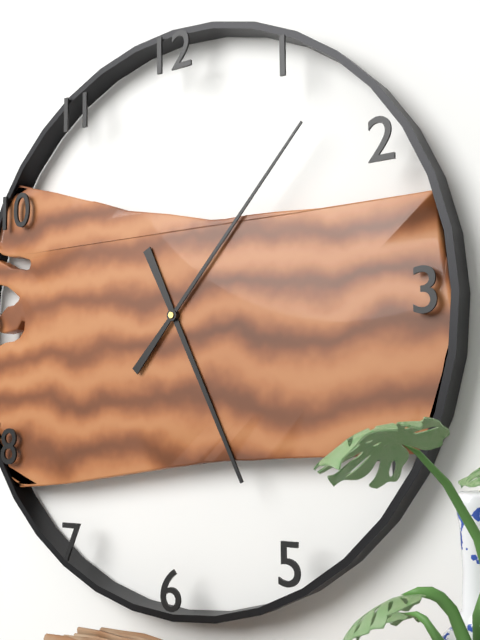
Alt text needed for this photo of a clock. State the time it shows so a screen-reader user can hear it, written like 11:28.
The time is 5:07
